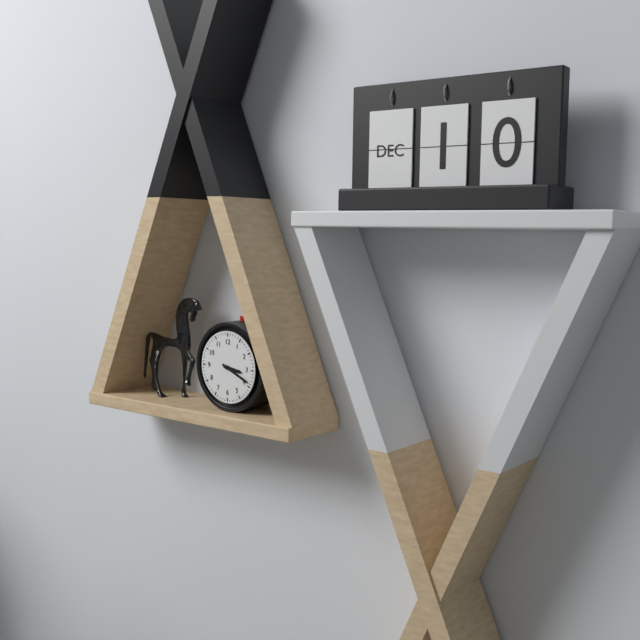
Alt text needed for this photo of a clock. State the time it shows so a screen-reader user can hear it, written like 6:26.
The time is 3:19
